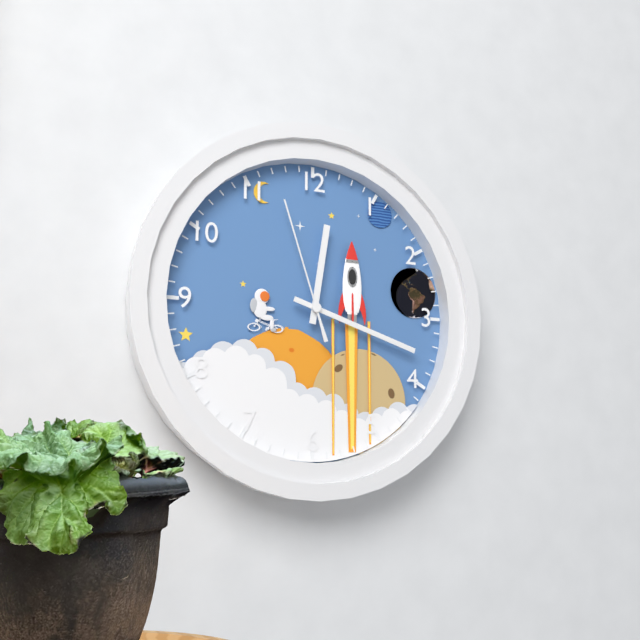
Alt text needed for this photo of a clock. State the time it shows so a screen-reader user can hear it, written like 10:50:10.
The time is 12:18:57
